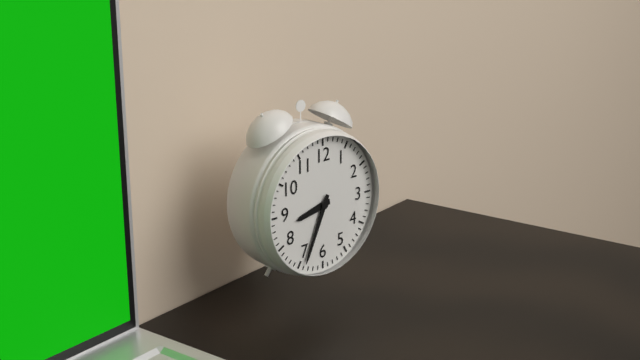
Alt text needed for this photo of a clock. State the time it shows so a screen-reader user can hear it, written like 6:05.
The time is 8:34
